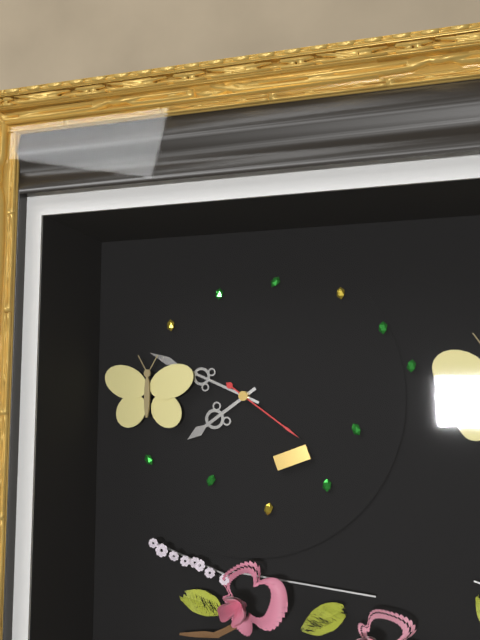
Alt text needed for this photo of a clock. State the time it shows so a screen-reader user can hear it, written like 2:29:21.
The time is 7:49:21
